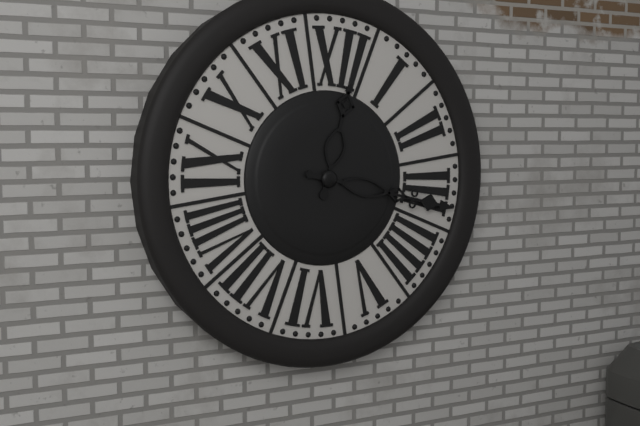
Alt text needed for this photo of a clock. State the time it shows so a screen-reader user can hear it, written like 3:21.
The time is 12:16
